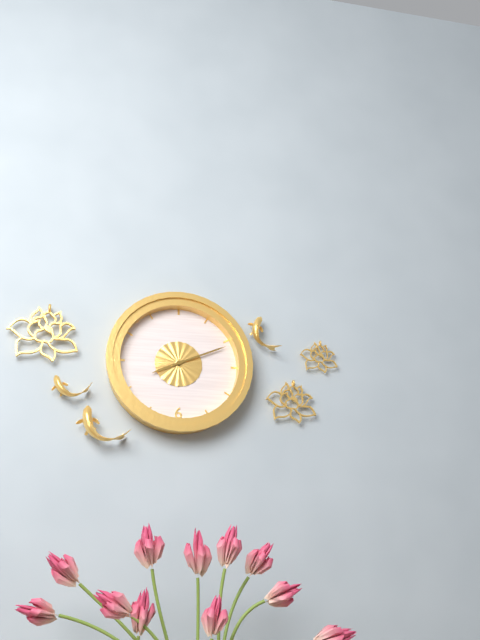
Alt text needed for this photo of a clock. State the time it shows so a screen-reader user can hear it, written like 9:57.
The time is 8:11
